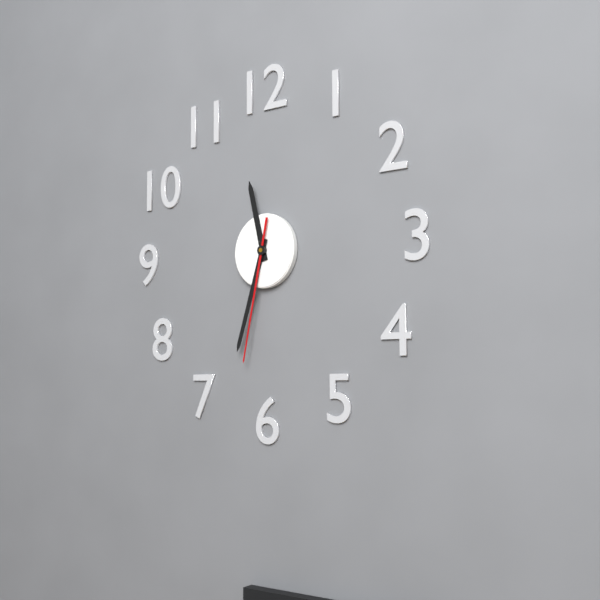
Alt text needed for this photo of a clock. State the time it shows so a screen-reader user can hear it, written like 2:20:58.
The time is 11:33:32
